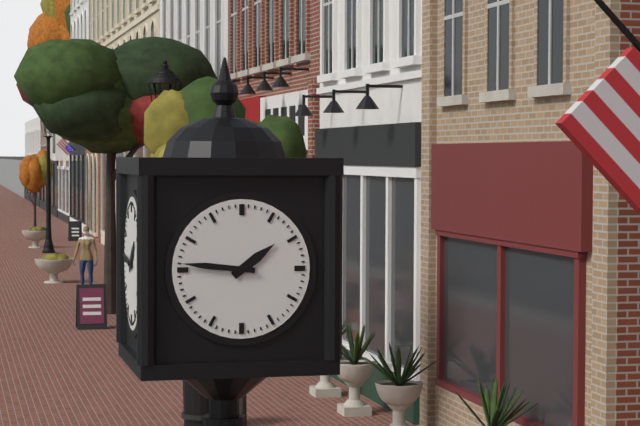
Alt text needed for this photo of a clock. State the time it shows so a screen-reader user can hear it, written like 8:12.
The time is 1:46
